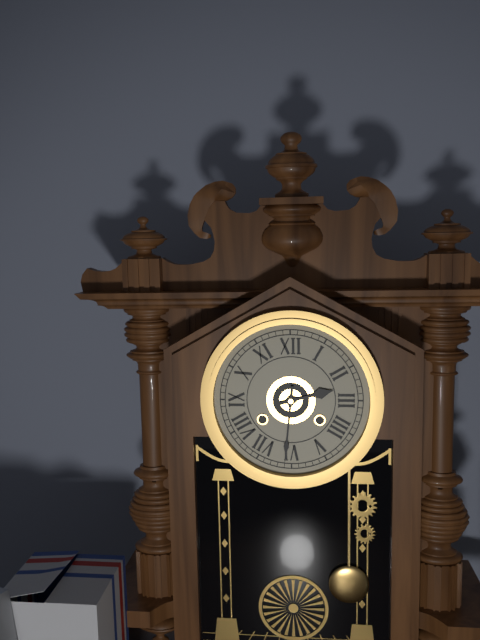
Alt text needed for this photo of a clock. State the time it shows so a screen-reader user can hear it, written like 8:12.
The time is 2:31
